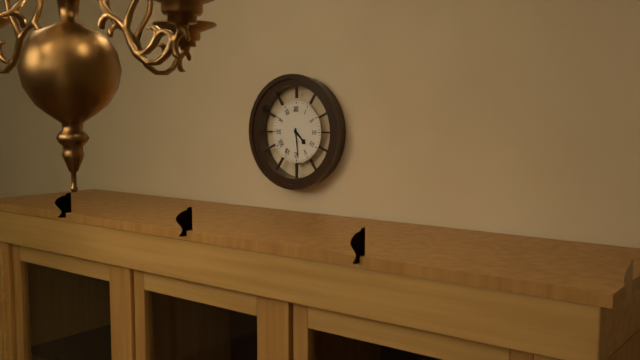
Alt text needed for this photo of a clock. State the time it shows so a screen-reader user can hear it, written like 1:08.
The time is 4:29
